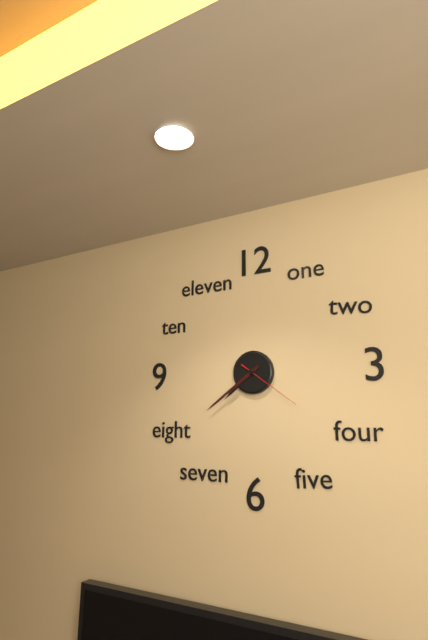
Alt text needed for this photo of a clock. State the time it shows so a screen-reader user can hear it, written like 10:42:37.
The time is 7:39:21
